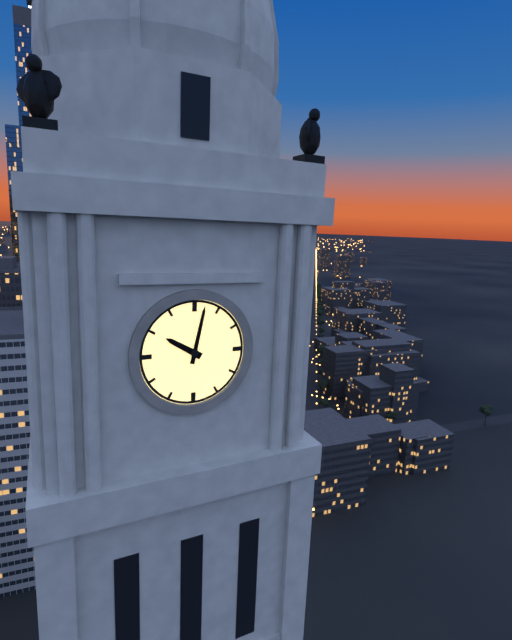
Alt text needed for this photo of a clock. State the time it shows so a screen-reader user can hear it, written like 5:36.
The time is 10:02
